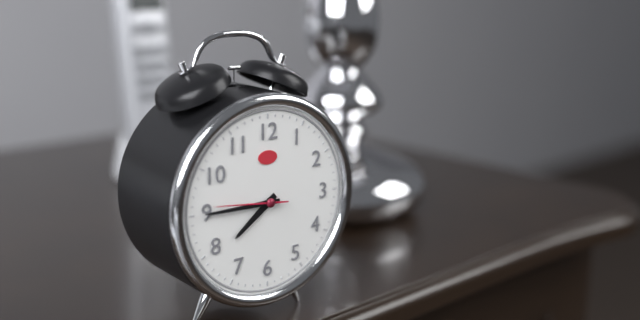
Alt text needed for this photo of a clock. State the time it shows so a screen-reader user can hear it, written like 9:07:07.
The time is 7:45:46
